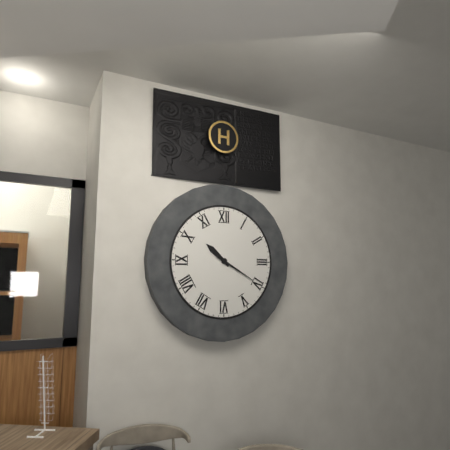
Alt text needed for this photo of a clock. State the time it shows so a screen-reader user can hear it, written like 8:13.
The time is 10:20
